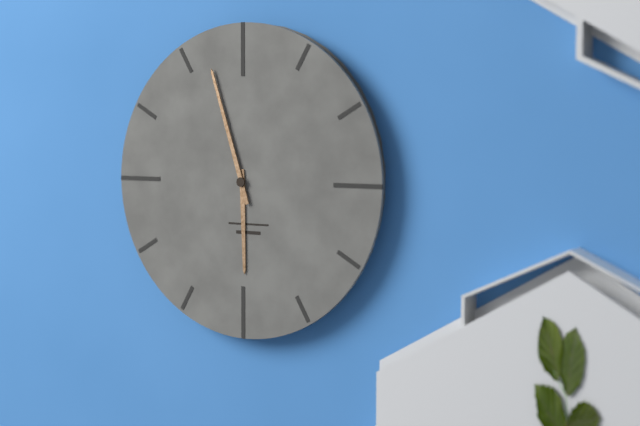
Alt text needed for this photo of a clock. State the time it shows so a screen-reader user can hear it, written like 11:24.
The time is 5:57
